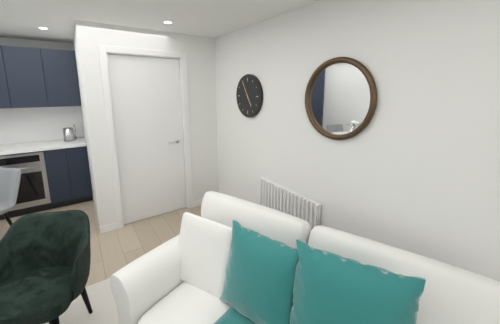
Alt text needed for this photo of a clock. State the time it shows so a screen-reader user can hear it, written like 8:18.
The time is 4:55
